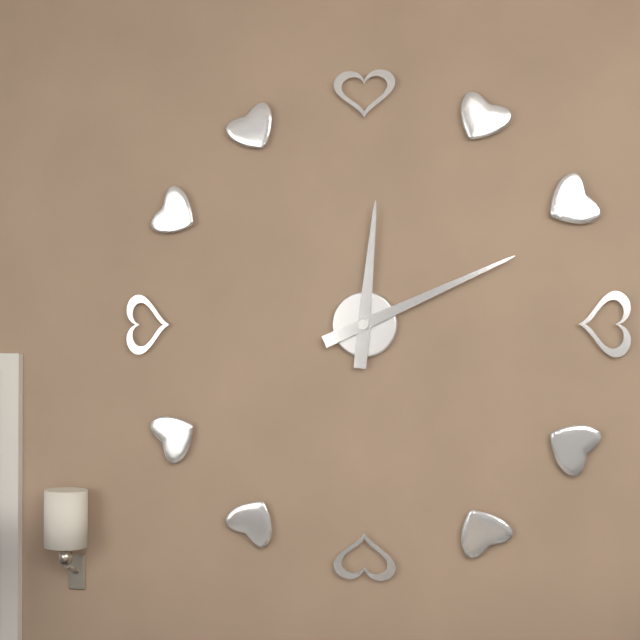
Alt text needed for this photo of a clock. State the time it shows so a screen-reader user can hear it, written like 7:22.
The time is 12:11
